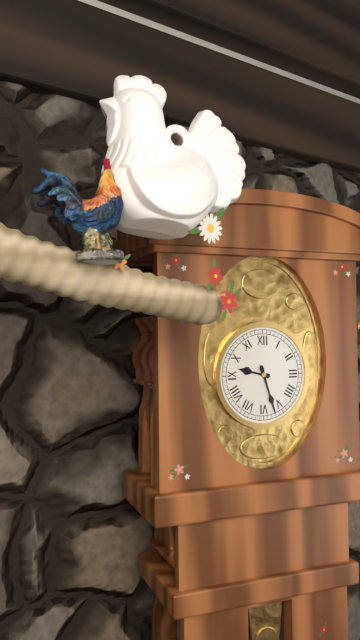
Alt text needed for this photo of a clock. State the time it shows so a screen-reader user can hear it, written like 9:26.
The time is 9:27
